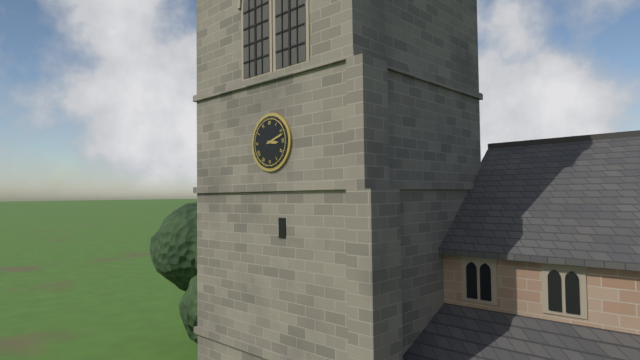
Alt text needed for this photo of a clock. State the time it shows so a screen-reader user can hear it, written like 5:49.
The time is 3:12
